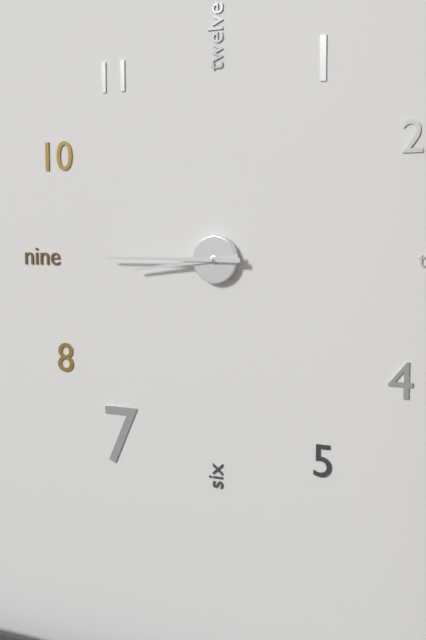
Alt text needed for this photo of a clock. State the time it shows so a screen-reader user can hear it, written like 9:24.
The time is 8:45
